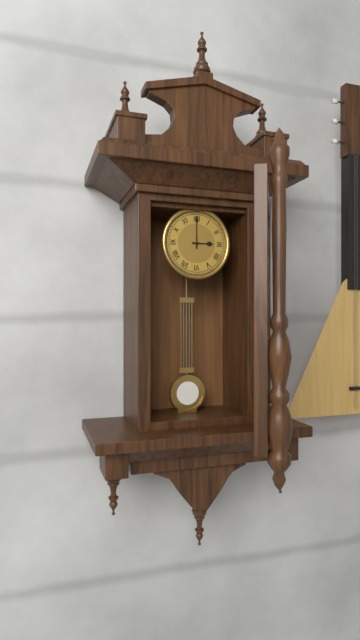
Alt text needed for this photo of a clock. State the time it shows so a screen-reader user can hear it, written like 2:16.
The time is 3:00
